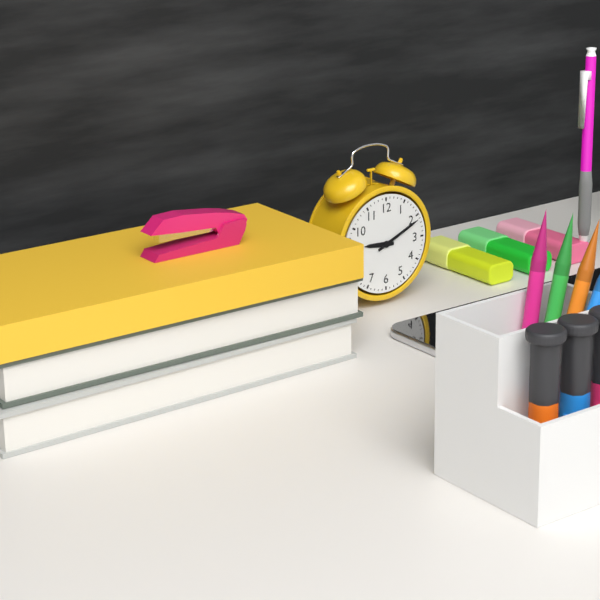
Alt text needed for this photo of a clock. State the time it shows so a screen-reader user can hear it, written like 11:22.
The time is 9:11
